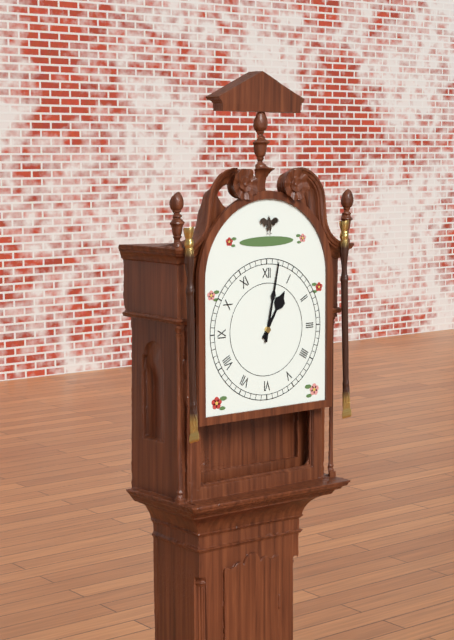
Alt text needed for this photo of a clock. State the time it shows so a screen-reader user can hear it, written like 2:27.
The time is 1:02
